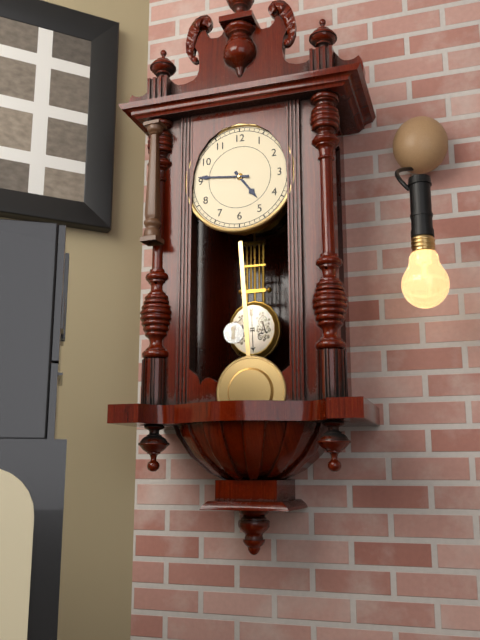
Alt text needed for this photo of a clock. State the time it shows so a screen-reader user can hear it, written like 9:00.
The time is 4:46
